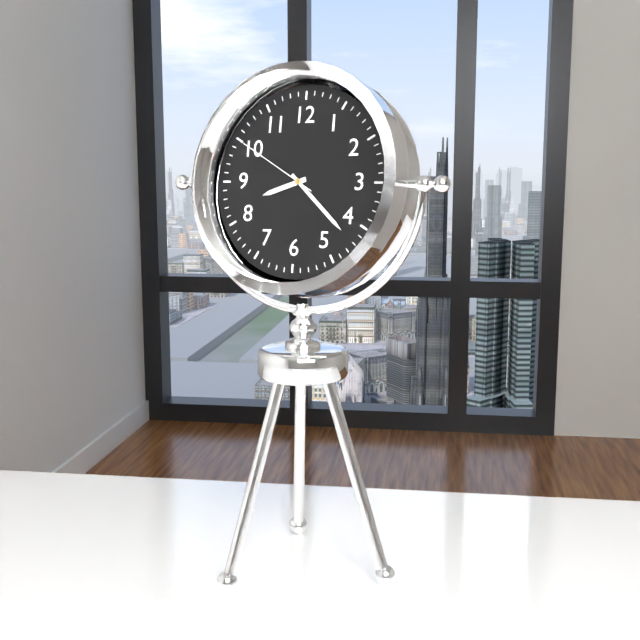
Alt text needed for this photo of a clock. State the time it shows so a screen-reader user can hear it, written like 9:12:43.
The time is 8:22:50
